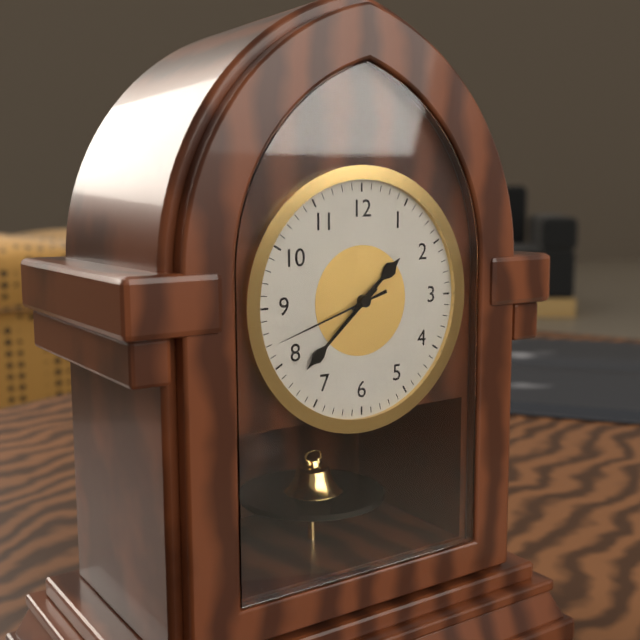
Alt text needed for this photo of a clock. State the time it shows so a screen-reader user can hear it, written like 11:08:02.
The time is 1:38:42
